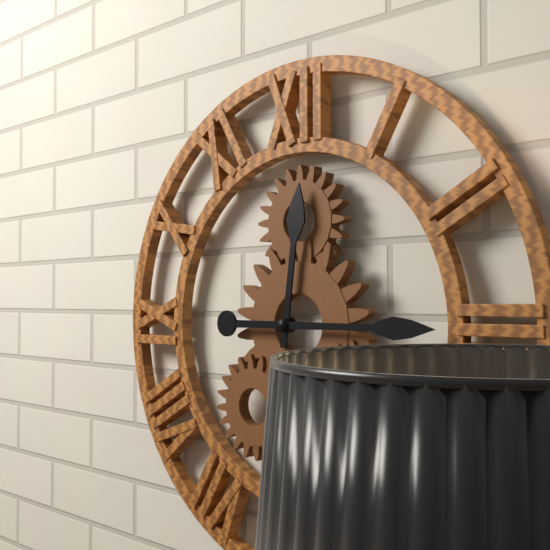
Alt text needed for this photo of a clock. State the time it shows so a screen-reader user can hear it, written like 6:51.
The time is 12:15
